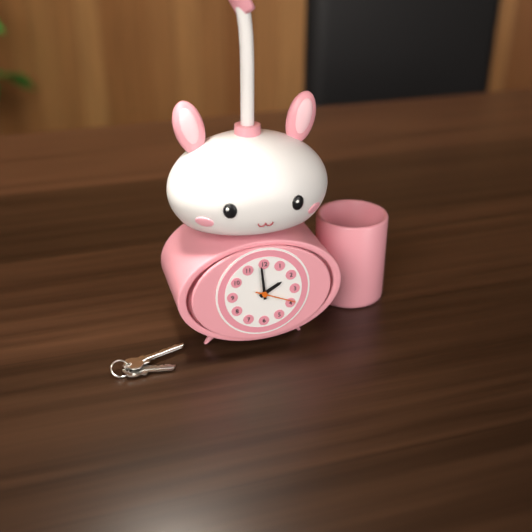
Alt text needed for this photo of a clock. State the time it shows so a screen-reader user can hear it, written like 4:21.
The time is 1:59
